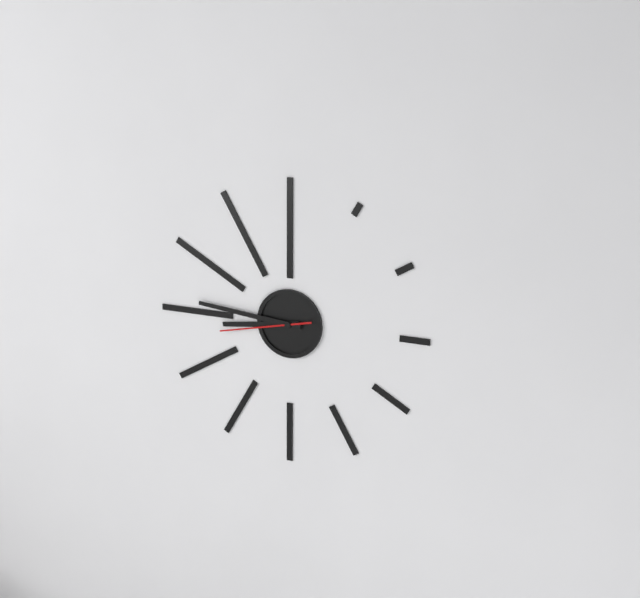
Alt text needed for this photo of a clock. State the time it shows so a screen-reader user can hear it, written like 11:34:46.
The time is 8:46:43
